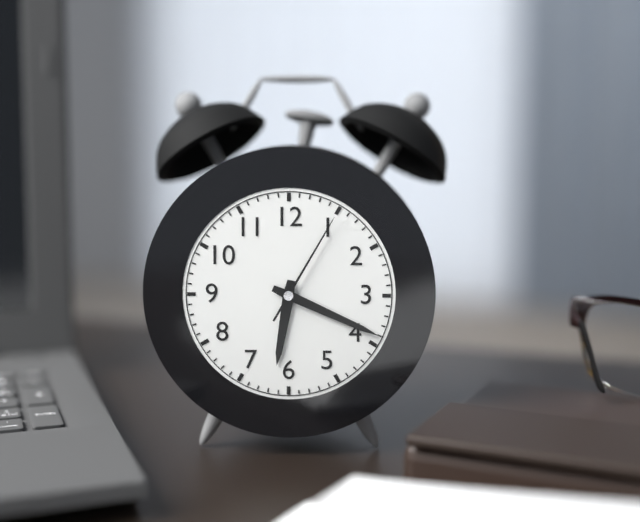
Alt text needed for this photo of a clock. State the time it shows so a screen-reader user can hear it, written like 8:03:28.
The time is 6:19:05
